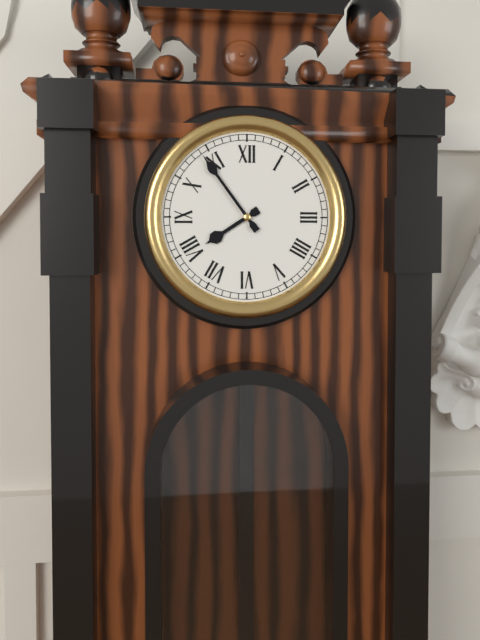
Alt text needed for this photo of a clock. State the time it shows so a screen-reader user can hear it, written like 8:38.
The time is 7:54
